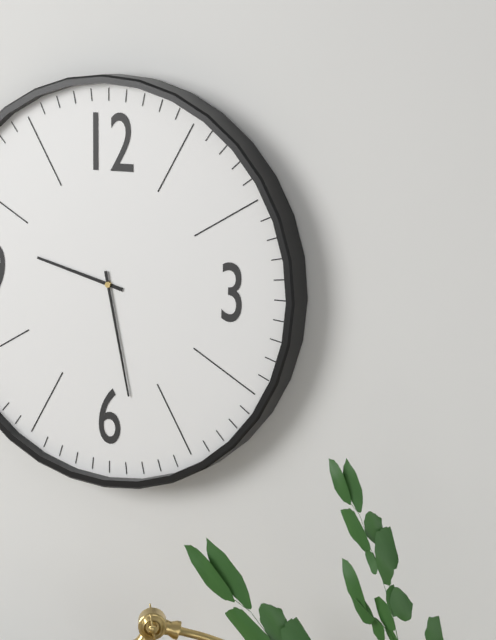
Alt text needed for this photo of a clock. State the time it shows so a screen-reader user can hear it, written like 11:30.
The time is 9:28
